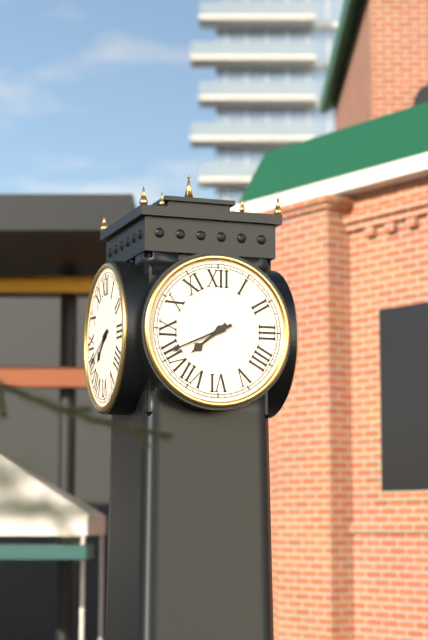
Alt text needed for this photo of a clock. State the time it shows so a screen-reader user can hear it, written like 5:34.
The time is 7:41
